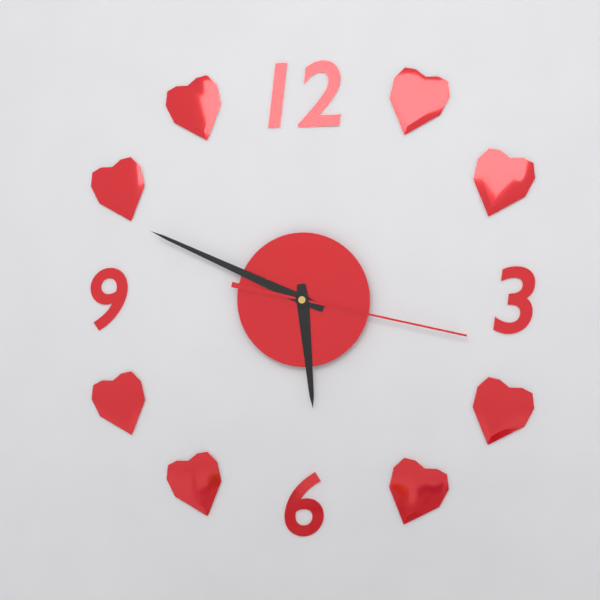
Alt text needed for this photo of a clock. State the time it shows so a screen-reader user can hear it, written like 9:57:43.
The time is 5:49:17
